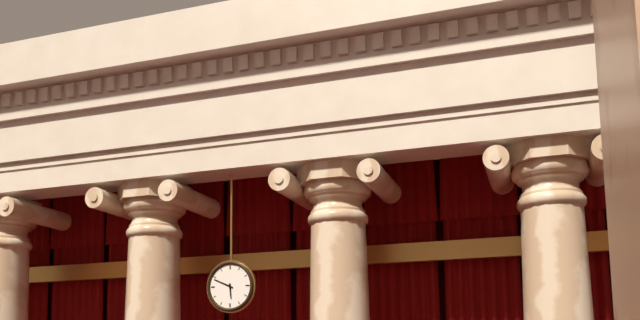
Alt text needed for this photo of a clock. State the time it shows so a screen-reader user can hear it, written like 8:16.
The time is 5:49
